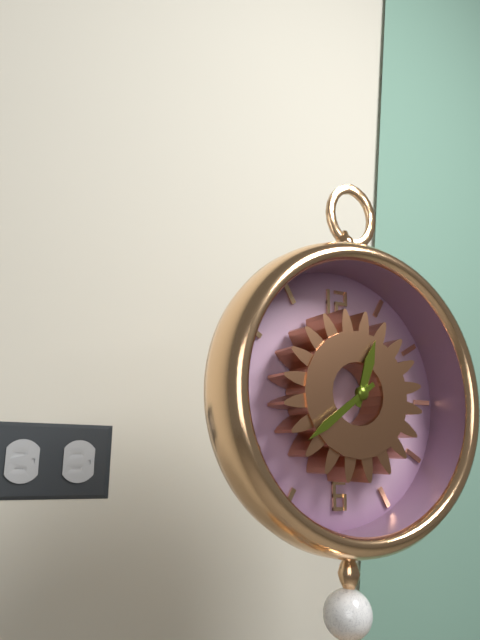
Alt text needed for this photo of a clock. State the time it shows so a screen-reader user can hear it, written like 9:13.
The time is 12:39
